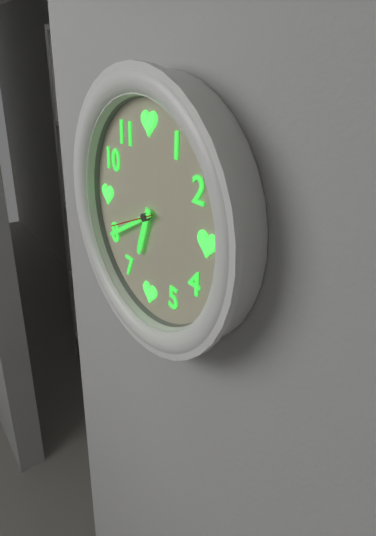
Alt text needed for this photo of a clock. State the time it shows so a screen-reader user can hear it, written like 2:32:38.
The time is 6:40:41
